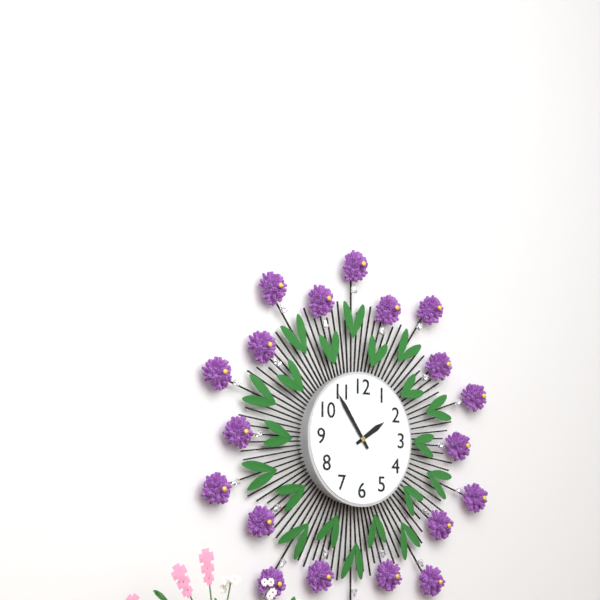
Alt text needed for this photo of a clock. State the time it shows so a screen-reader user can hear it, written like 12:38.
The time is 1:54
